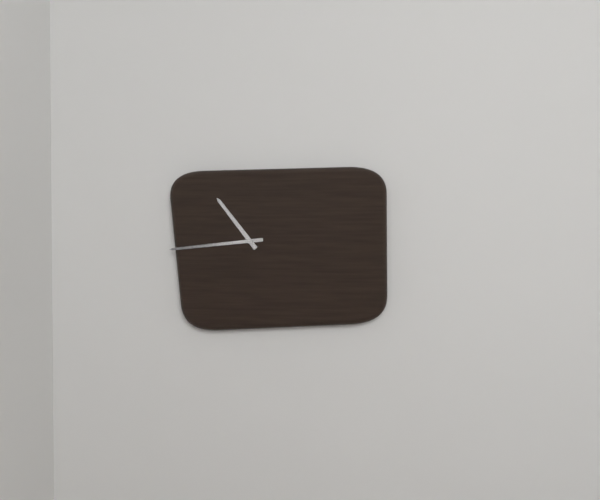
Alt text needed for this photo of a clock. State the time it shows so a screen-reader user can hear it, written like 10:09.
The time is 10:44
